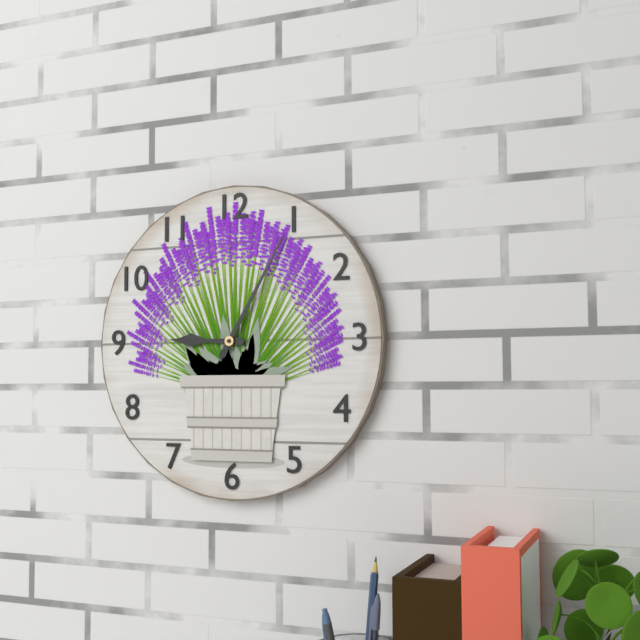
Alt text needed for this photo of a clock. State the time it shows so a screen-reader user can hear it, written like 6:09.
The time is 9:05
